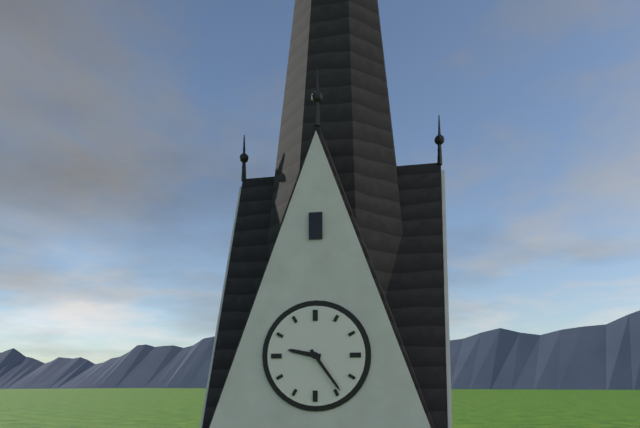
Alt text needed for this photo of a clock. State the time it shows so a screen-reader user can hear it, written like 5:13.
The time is 9:24
